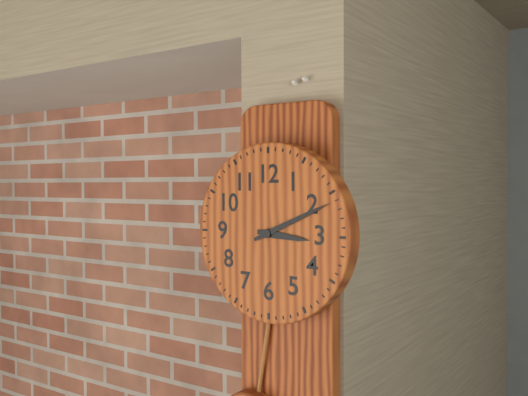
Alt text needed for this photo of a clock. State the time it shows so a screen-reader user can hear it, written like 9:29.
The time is 3:11
